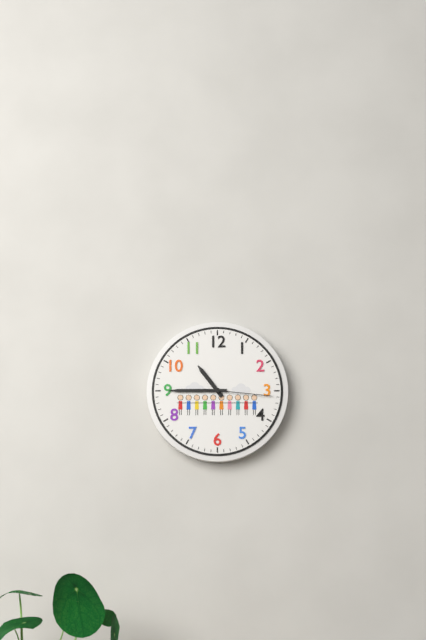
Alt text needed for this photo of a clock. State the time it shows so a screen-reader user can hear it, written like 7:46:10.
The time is 10:45:16
